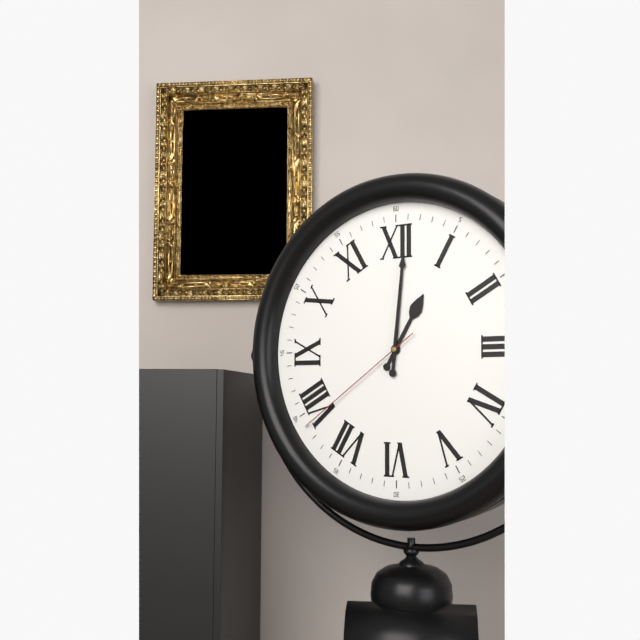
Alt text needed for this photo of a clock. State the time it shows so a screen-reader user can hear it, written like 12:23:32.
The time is 1:01:39
